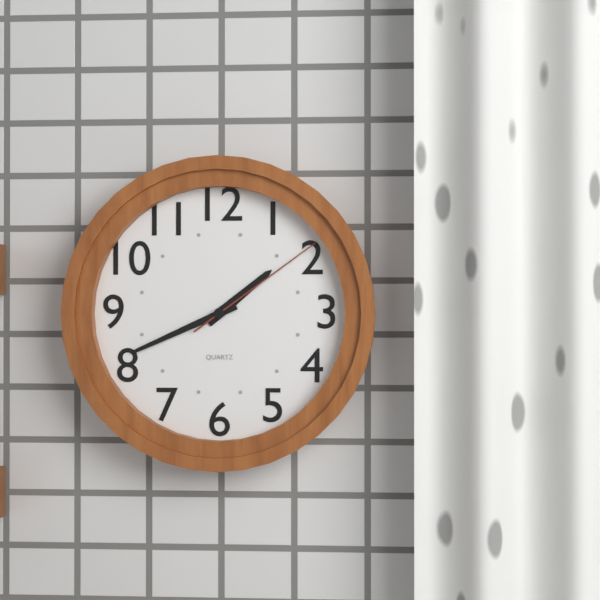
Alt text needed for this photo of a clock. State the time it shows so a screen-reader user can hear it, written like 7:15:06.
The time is 1:41:09
